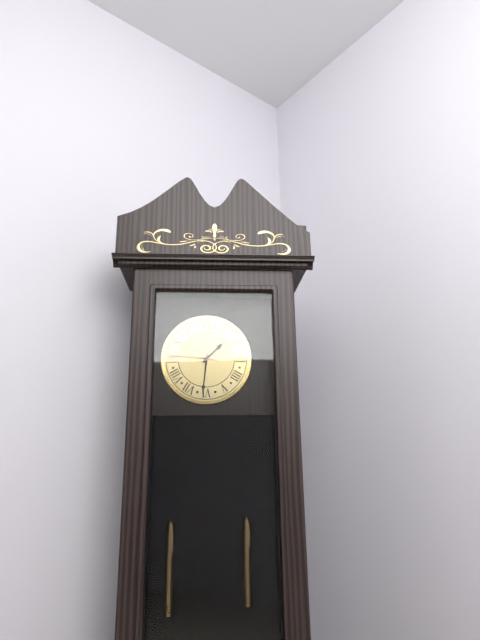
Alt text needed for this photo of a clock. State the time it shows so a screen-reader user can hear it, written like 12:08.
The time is 1:31
